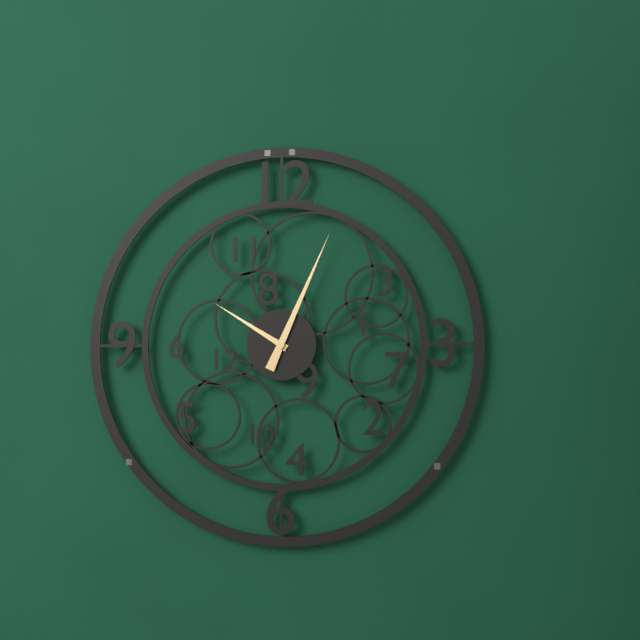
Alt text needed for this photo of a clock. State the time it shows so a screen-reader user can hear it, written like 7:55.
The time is 10:04
